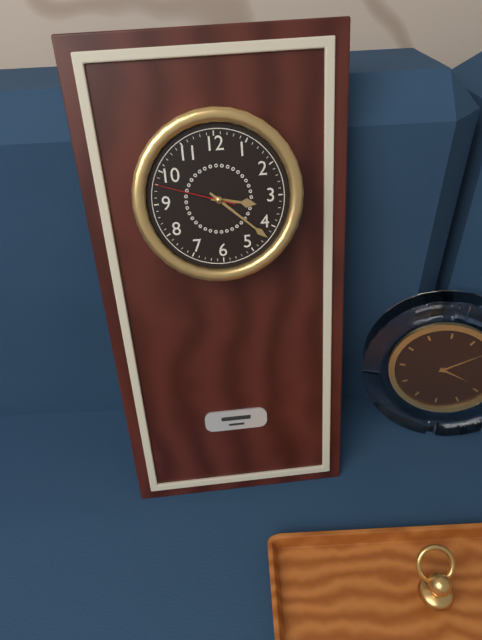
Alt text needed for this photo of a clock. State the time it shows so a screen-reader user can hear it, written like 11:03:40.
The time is 3:22:48
